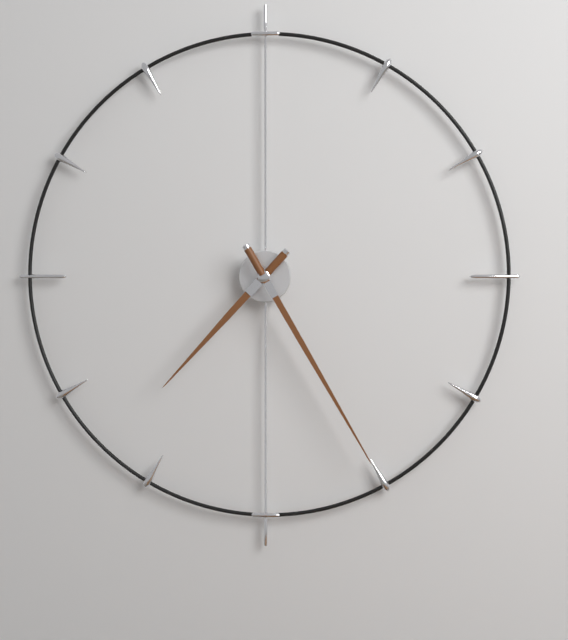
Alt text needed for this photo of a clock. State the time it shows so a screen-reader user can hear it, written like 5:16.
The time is 7:25
